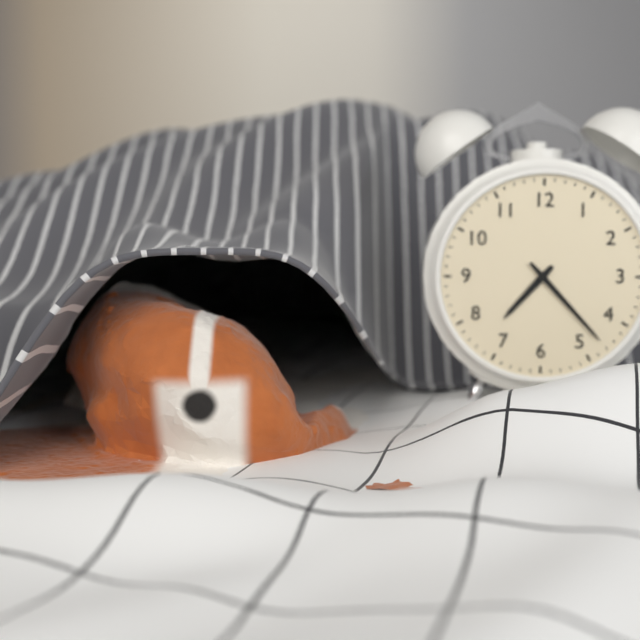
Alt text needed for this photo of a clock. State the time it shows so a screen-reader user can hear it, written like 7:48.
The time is 7:23
